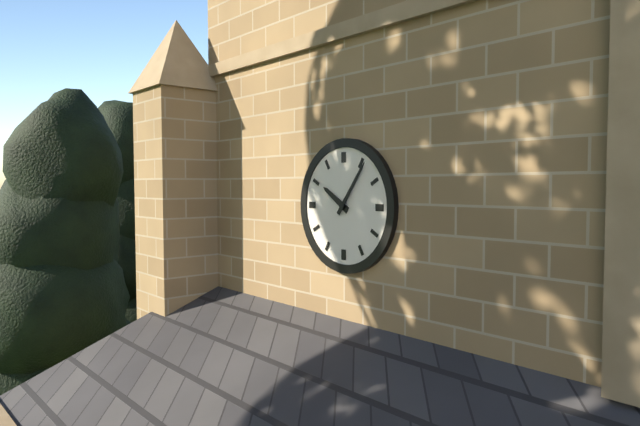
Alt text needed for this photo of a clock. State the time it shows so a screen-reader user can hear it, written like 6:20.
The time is 10:06
